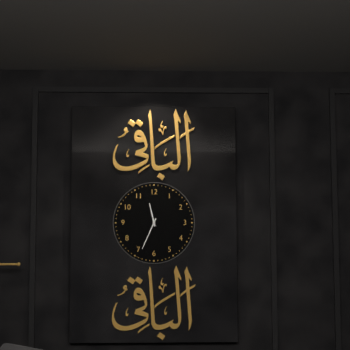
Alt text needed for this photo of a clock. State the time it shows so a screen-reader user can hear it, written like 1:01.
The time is 11:34
